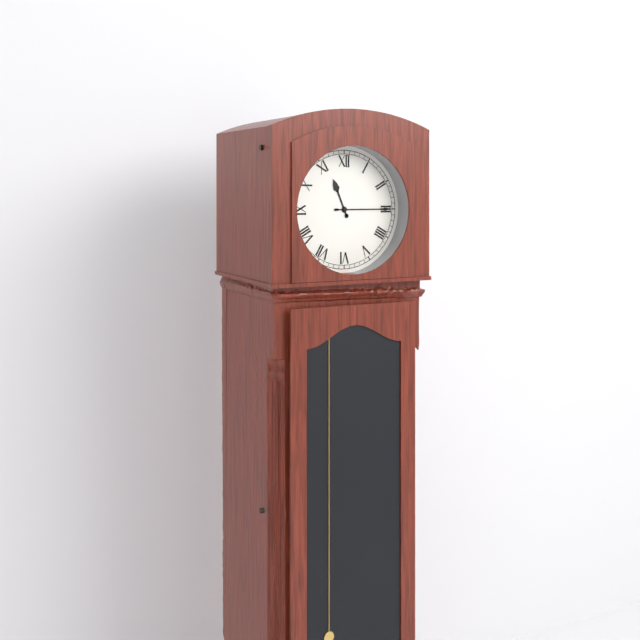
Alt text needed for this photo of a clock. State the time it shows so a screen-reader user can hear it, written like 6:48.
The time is 11:15
